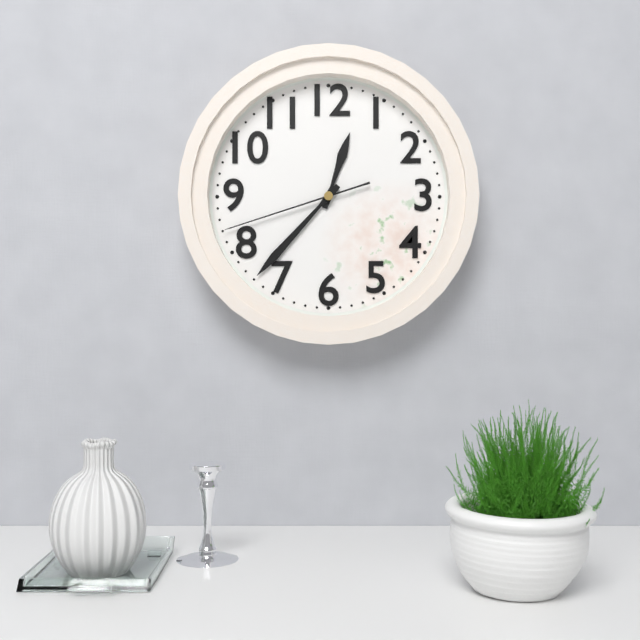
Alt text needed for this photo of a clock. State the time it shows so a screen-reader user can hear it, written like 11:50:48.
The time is 12:37:42
